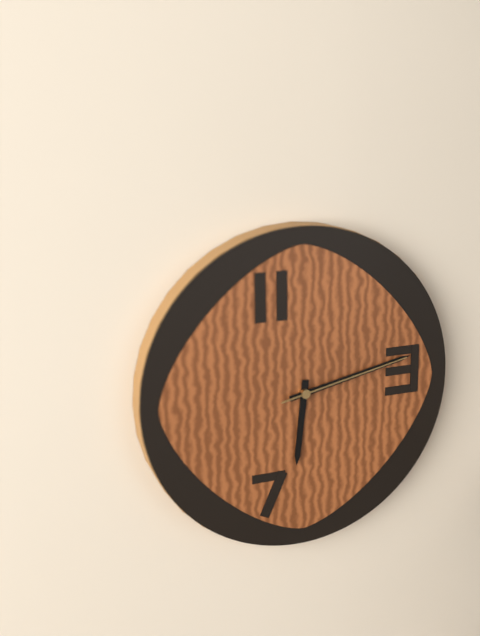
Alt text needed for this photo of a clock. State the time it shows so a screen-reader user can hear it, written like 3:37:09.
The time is 6:13:13
